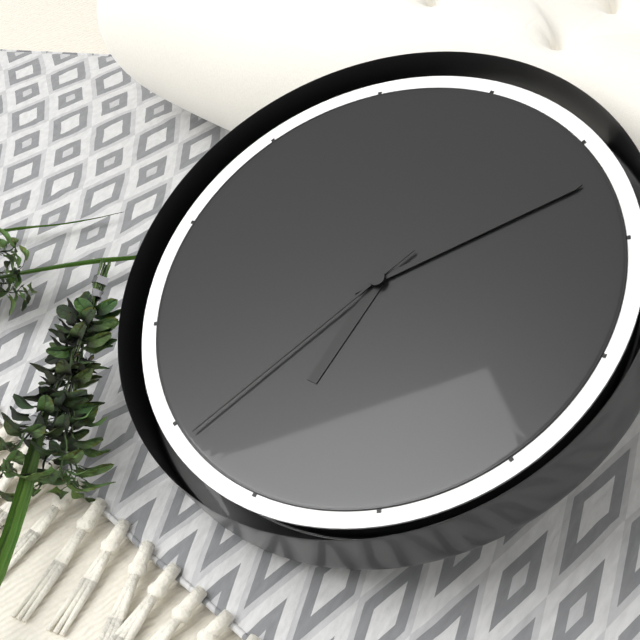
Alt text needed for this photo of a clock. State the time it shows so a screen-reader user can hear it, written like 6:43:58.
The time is 6:07:34
